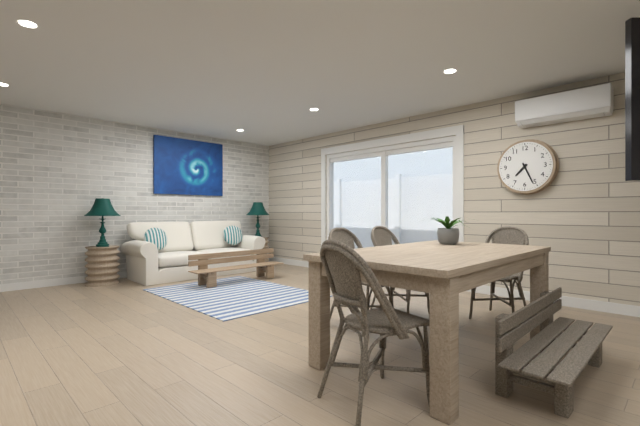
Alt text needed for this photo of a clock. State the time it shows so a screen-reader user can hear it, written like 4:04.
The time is 7:26
